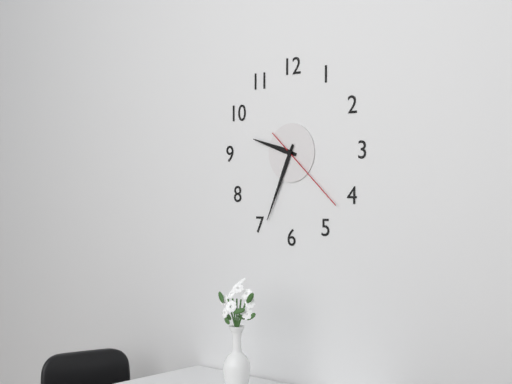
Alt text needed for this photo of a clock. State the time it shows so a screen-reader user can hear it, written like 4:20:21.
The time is 9:34:22
